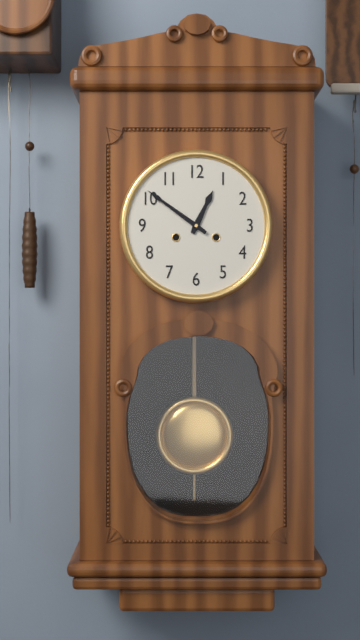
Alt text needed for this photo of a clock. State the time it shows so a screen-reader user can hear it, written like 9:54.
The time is 12:51
